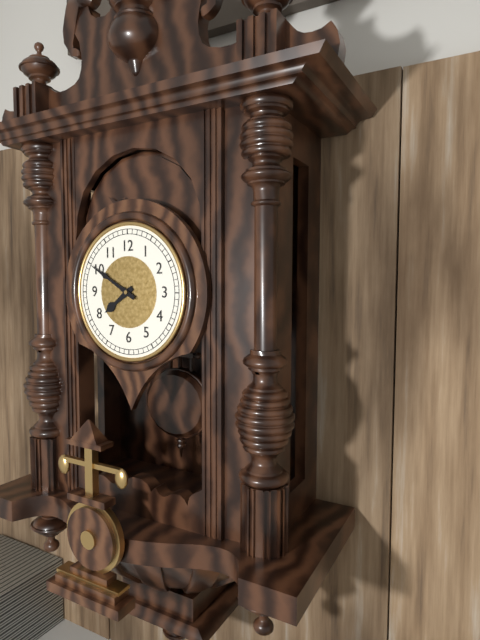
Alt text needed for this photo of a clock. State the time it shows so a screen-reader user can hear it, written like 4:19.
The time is 7:50
